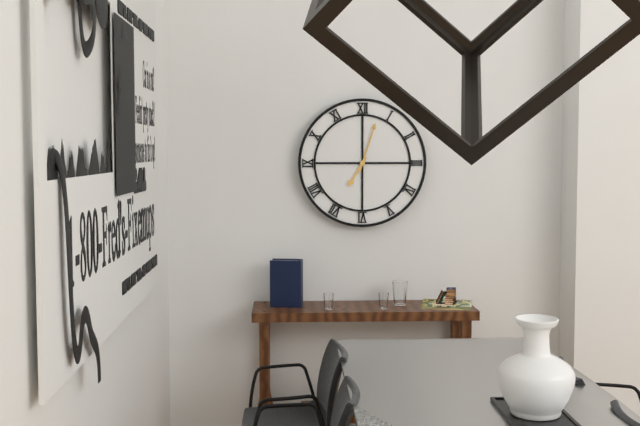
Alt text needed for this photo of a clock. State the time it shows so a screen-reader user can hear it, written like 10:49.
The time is 7:03
